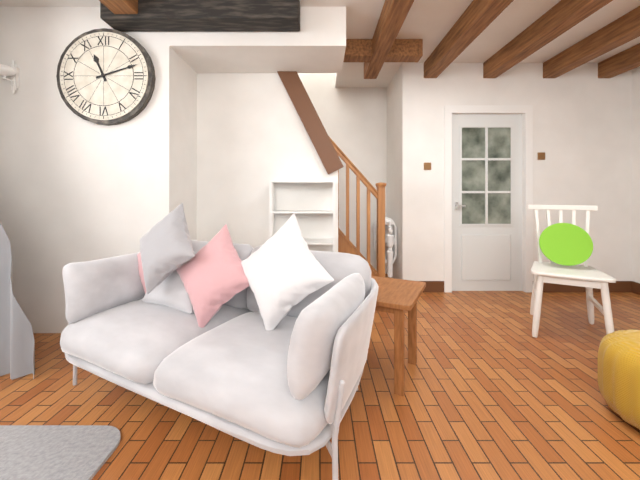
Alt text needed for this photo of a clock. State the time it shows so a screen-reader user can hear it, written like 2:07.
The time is 11:12
